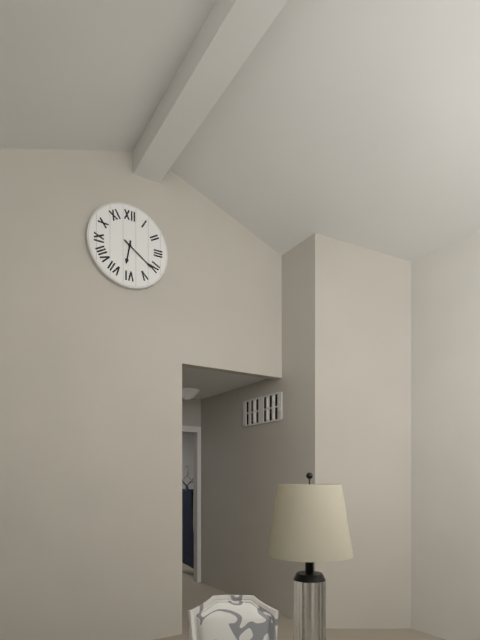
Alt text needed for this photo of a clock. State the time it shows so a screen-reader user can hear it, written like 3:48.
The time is 6:21
